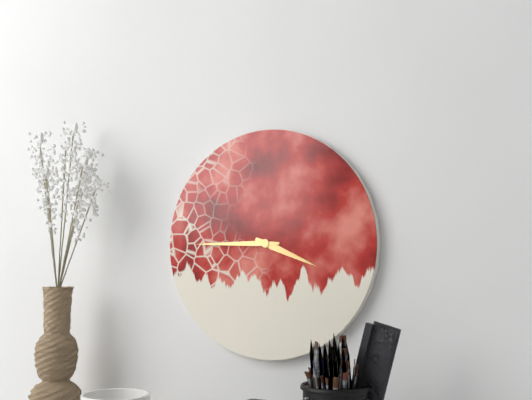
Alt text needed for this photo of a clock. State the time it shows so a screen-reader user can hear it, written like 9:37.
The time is 3:45
